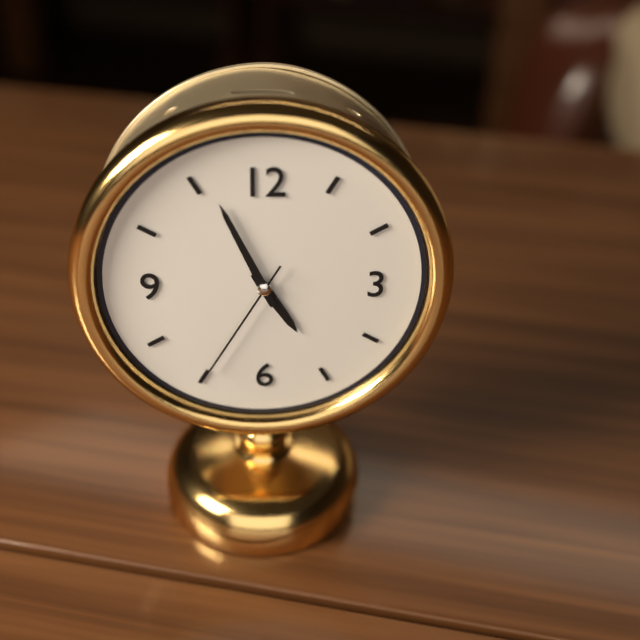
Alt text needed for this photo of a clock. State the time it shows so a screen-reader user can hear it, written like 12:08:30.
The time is 4:56:35
